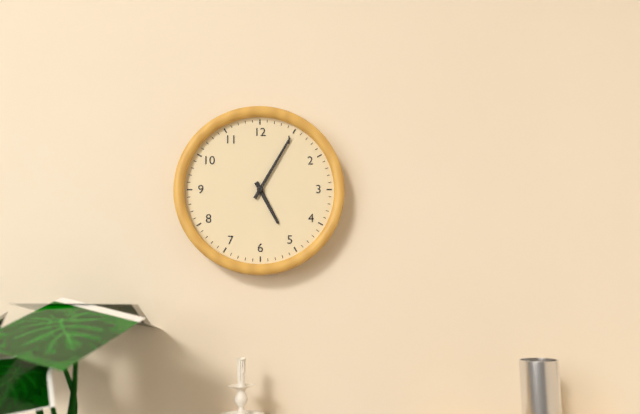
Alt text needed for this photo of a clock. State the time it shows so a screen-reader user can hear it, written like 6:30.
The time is 5:05
